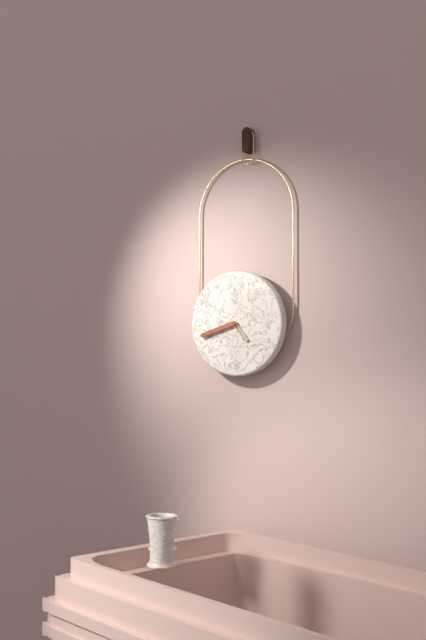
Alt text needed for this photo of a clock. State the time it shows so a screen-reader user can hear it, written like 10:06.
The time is 4:42
